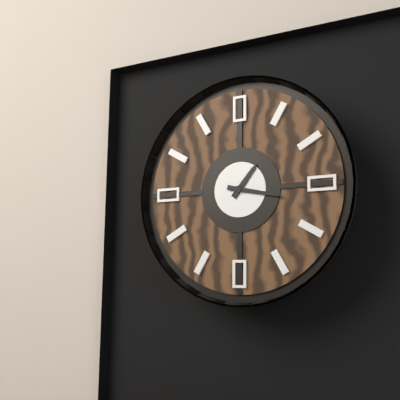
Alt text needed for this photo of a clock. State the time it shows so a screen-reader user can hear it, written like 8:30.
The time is 1:17
